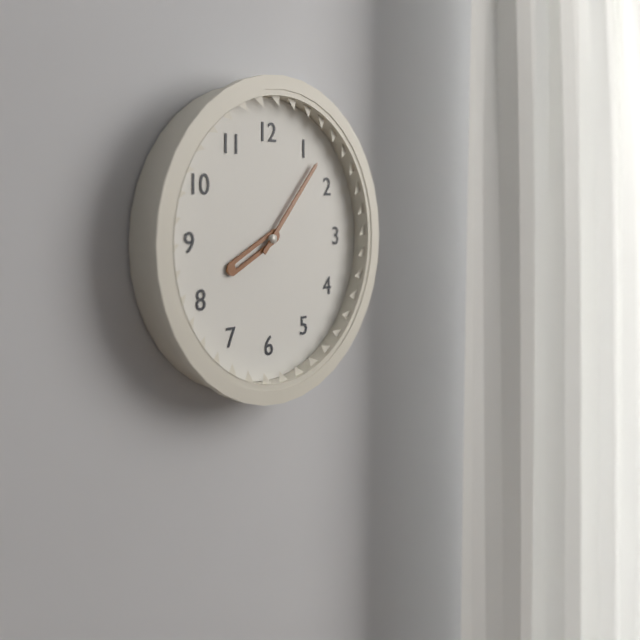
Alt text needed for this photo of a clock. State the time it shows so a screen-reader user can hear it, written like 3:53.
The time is 8:07
